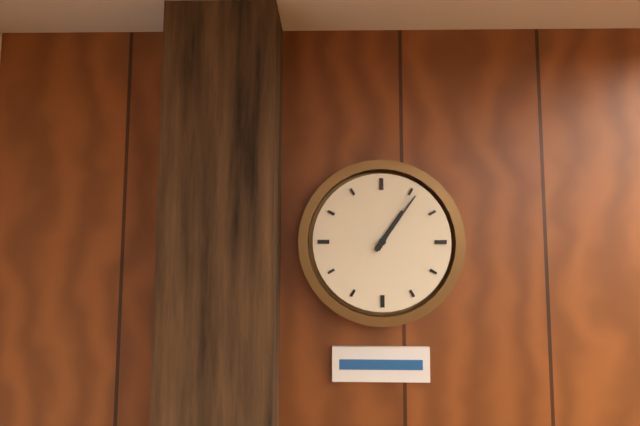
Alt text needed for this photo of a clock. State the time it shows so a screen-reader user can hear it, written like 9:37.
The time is 1:06
